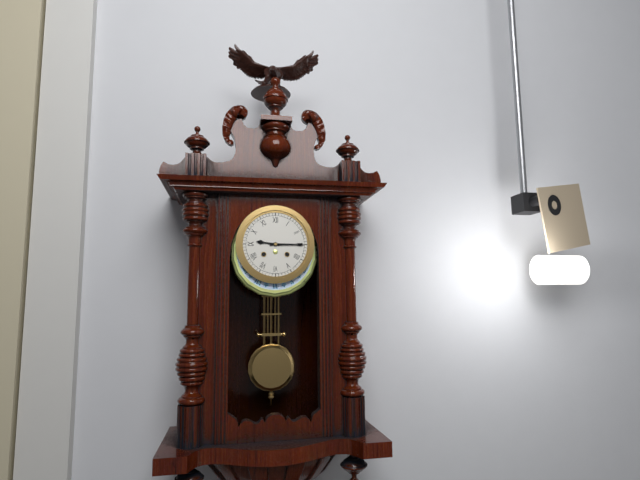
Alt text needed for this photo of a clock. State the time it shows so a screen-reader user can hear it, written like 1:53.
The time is 9:15
